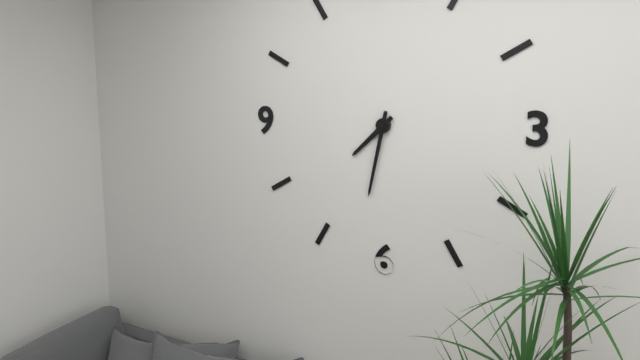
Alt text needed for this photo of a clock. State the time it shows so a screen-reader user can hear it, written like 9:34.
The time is 7:32
